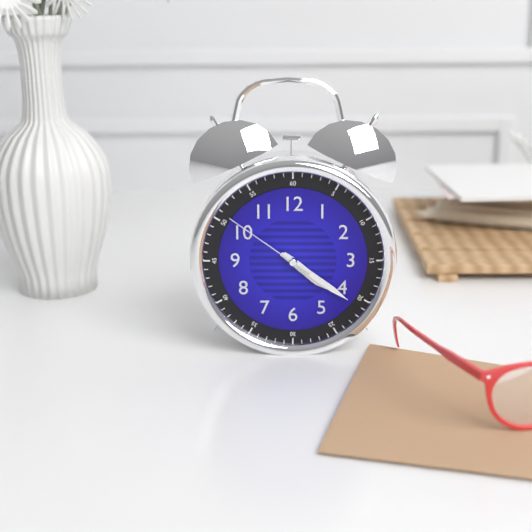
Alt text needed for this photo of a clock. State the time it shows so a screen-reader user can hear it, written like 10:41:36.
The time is 4:21:51
